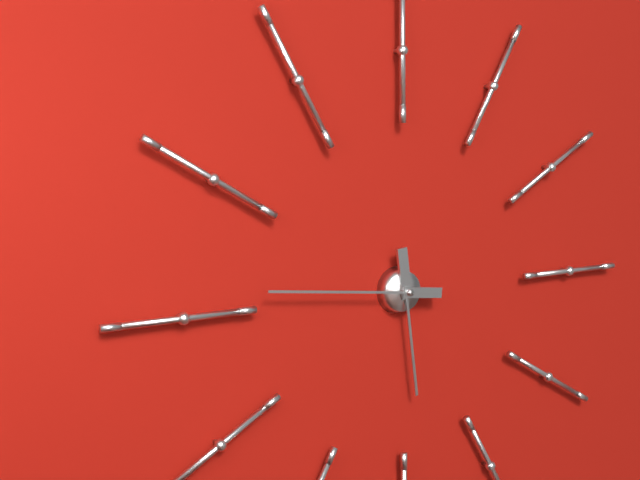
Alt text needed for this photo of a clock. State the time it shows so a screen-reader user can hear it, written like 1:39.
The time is 5:46
